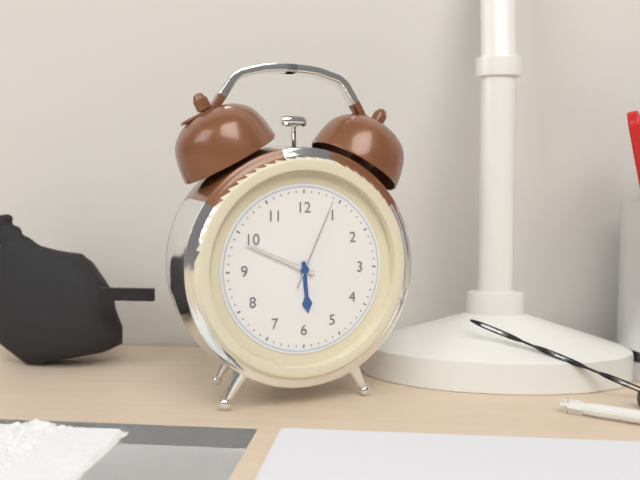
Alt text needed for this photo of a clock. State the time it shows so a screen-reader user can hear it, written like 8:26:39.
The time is 5:49:04
